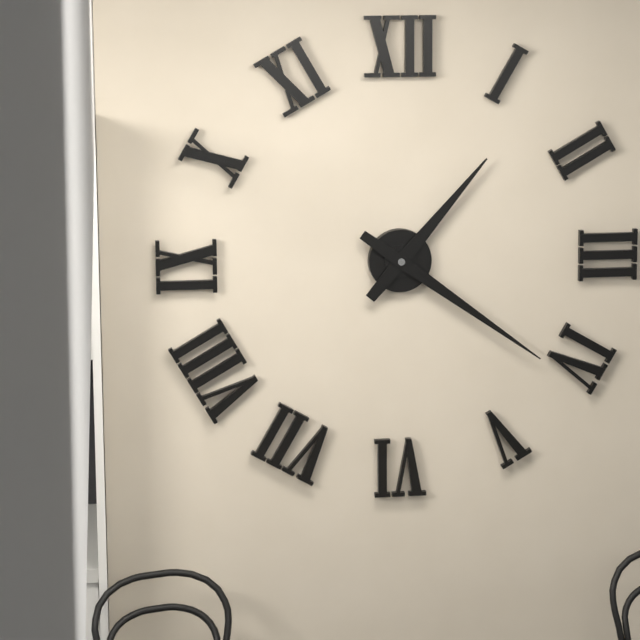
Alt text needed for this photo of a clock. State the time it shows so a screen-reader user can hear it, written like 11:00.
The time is 1:21
